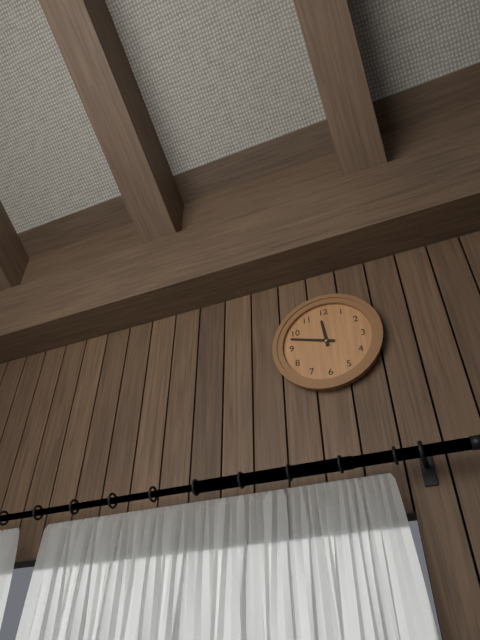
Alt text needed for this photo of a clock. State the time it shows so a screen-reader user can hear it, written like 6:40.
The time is 11:48
